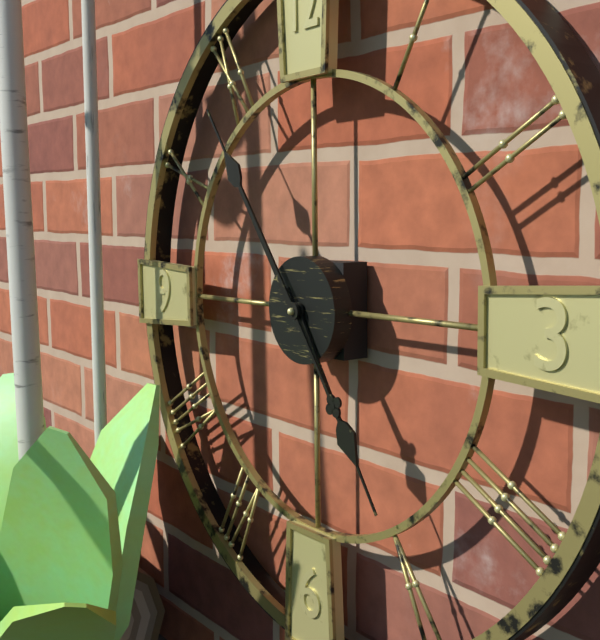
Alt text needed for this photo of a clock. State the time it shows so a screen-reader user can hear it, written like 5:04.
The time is 4:54
